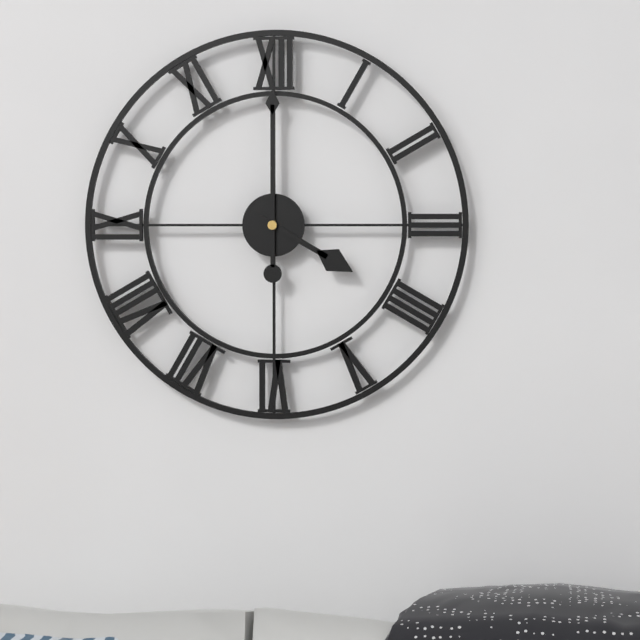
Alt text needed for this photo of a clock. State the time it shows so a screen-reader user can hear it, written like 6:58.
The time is 4:00
